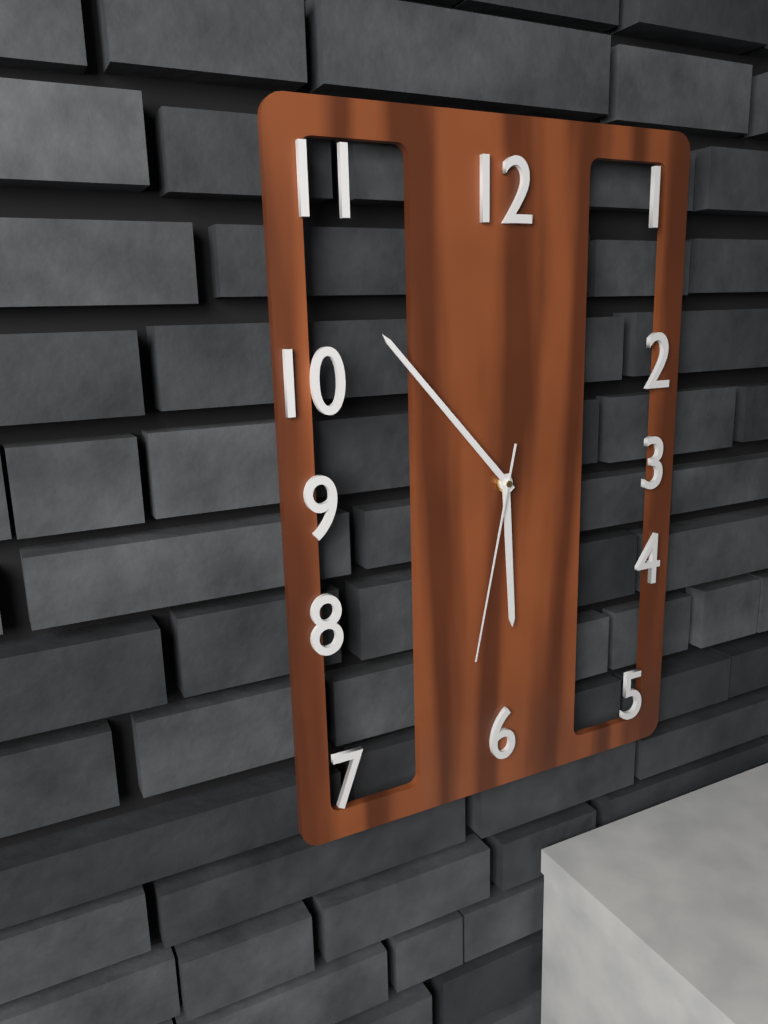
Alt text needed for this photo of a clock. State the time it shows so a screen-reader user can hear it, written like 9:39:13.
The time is 5:53:32
